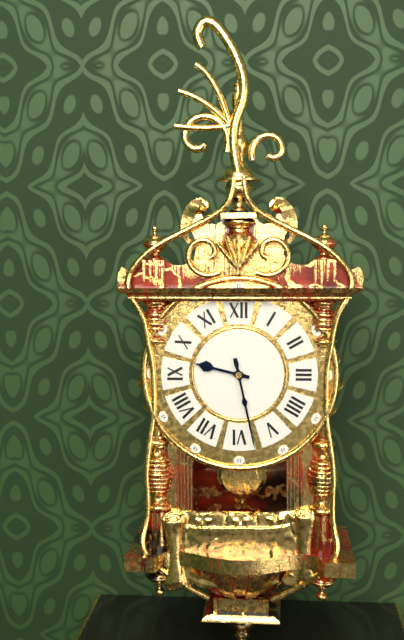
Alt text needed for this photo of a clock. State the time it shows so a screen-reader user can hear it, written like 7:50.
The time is 9:28
